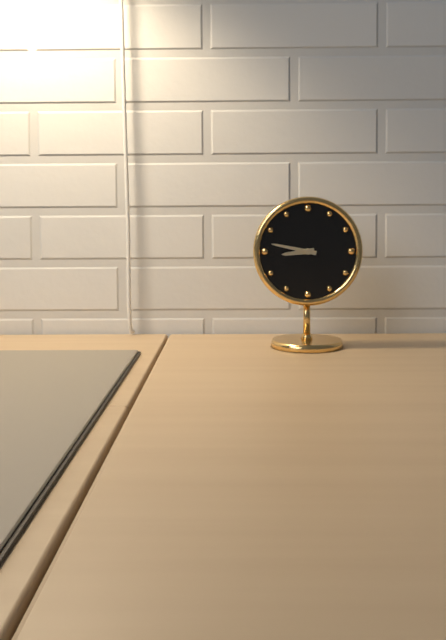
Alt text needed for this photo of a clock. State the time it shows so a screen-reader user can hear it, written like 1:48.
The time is 8:47
